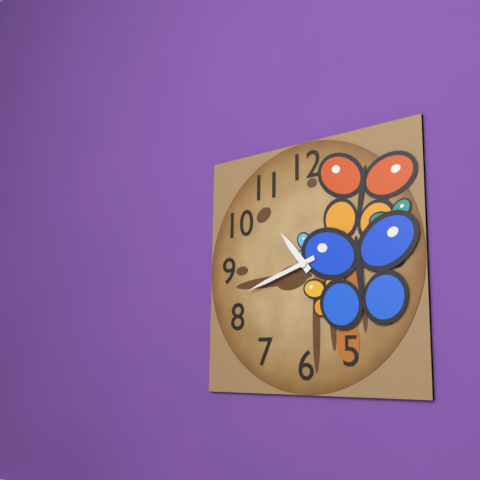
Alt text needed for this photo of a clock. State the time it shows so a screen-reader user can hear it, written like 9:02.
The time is 10:42
